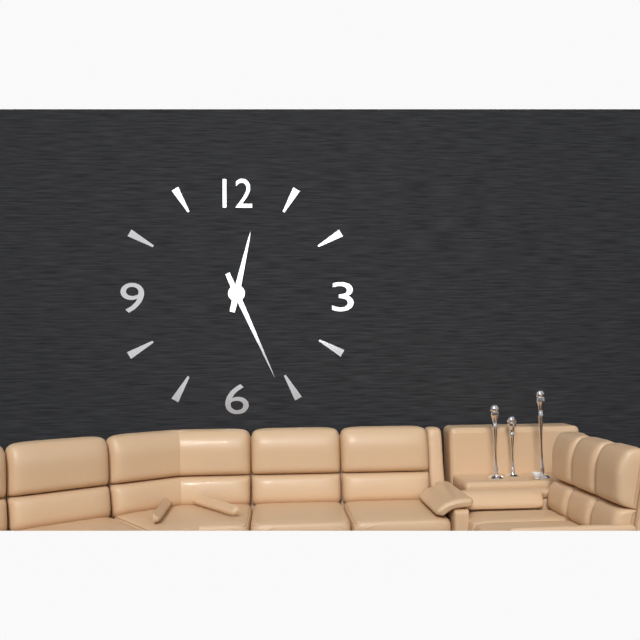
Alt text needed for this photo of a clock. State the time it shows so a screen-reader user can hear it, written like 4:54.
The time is 12:26
